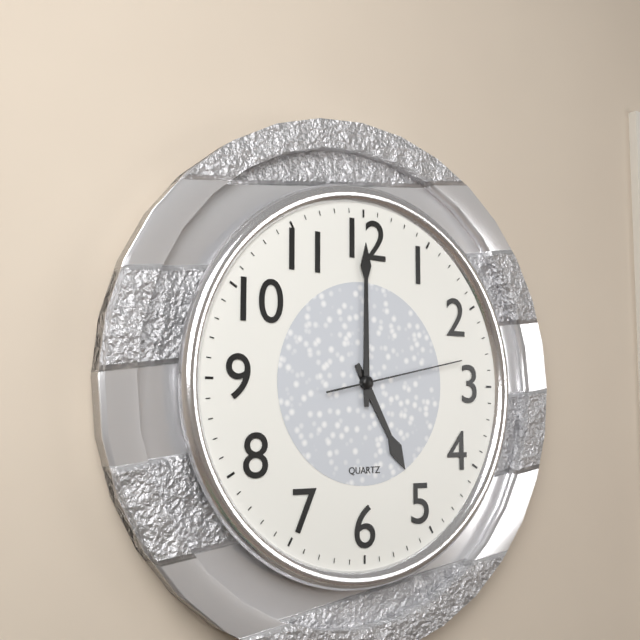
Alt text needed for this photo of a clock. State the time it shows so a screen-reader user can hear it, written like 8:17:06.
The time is 5:00:13
